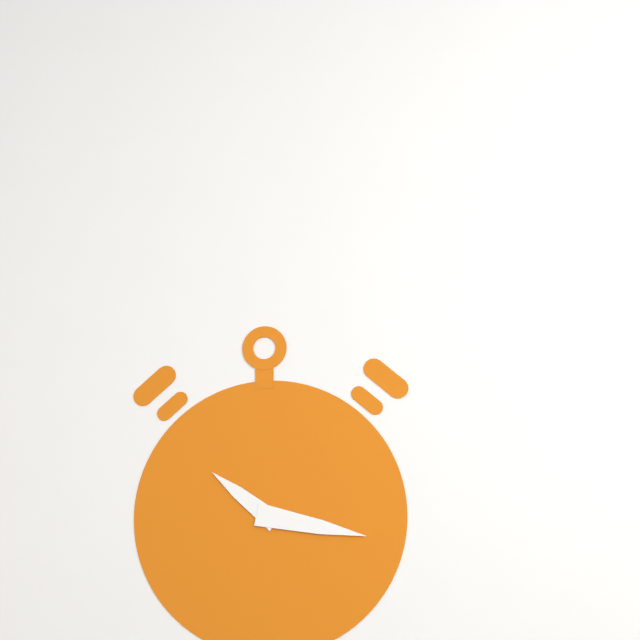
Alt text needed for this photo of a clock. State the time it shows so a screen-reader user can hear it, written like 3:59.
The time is 10:17
